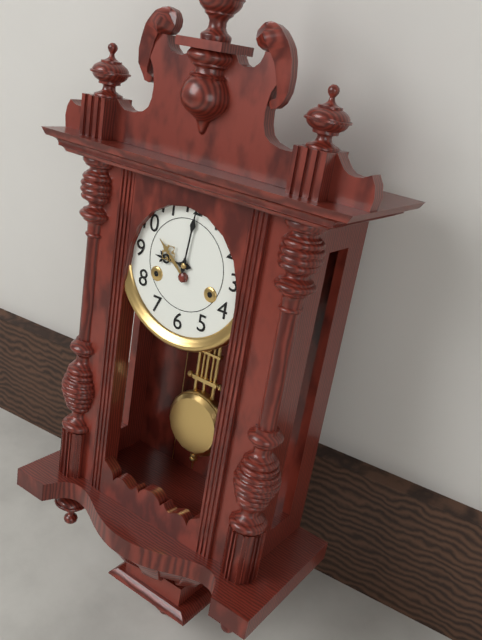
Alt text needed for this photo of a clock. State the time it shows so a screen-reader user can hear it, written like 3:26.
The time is 9:01
